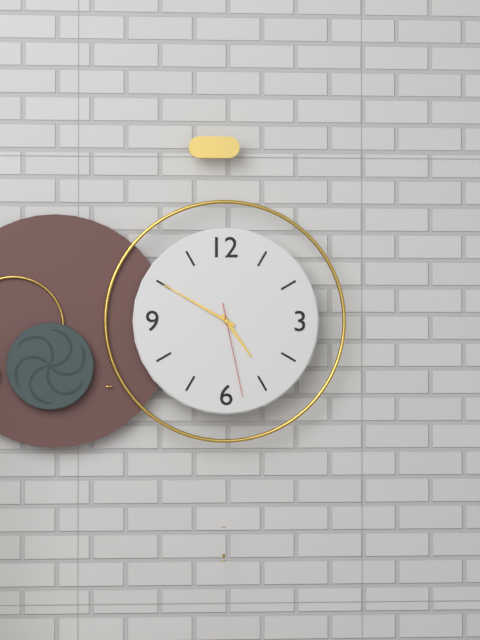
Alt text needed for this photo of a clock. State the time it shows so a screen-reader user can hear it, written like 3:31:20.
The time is 4:50:28
